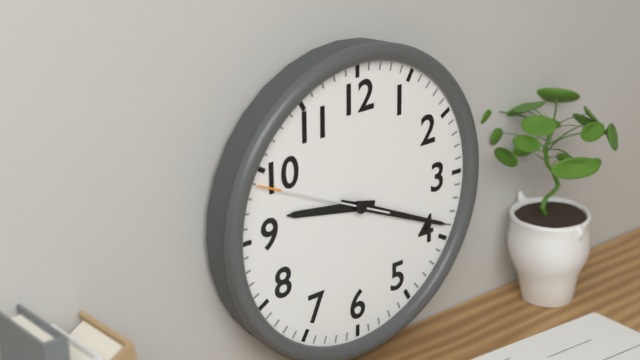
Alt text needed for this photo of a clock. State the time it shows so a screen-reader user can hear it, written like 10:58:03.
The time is 9:19:49
